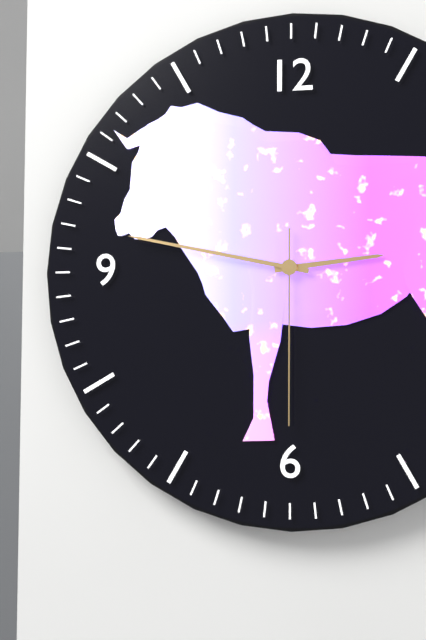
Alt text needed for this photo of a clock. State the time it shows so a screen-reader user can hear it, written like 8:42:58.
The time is 2:47:30
